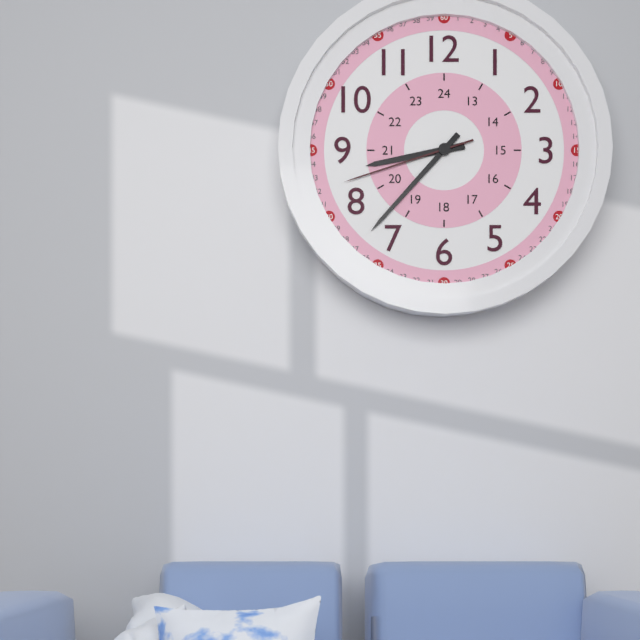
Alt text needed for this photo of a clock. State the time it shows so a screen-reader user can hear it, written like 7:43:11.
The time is 8:37:42
